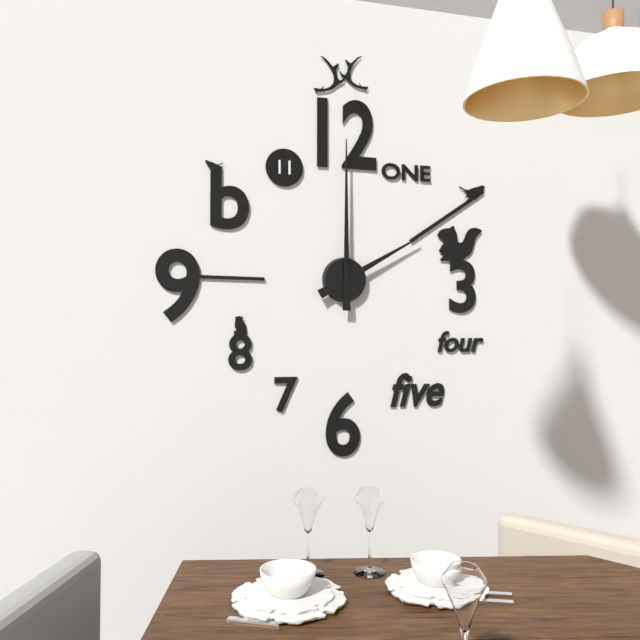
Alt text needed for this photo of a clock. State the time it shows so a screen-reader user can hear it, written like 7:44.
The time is 2:00
